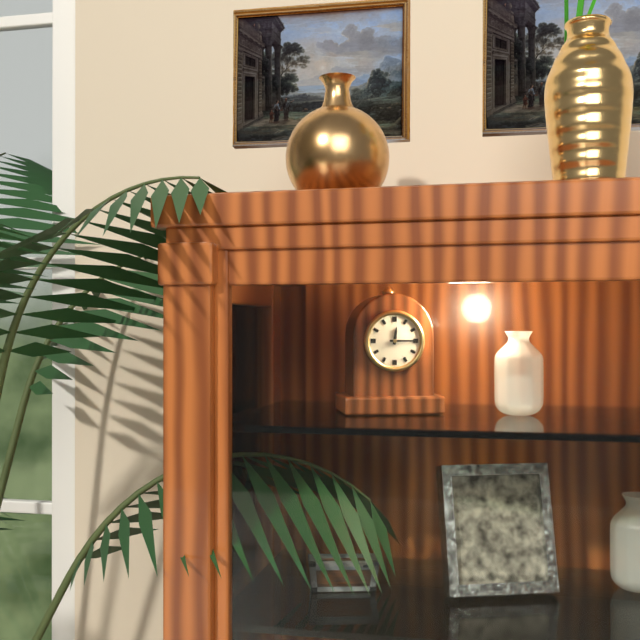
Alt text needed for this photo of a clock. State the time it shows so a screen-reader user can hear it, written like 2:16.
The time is 12:15
